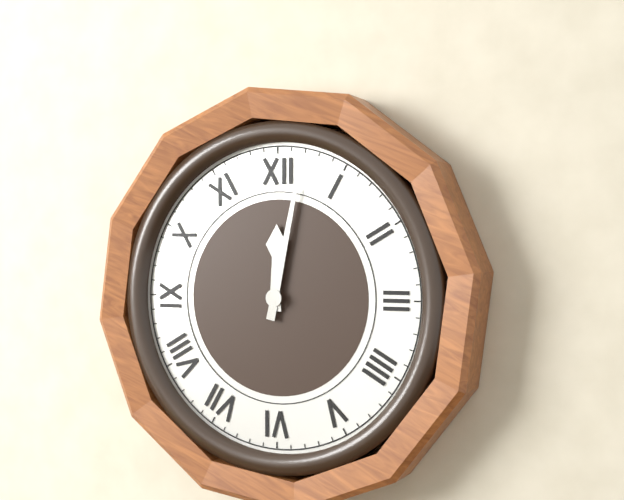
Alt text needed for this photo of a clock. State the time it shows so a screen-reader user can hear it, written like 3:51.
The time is 12:02
